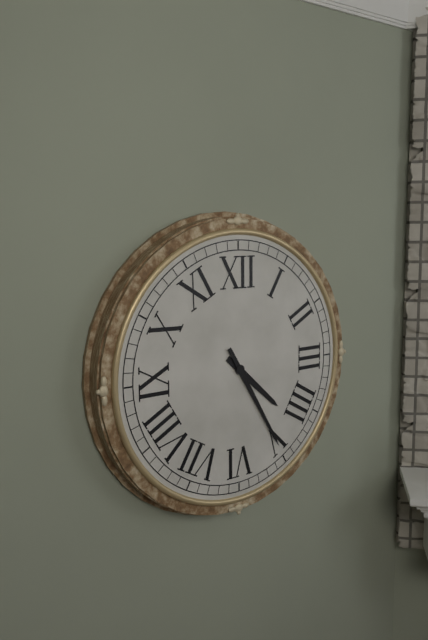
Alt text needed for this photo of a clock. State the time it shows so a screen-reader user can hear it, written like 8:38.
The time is 4:25
